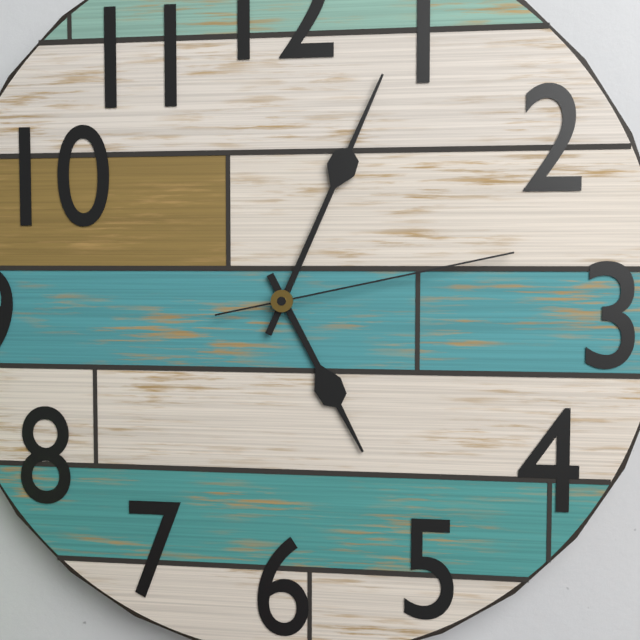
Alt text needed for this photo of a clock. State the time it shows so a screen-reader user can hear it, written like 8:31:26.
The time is 5:04:13
